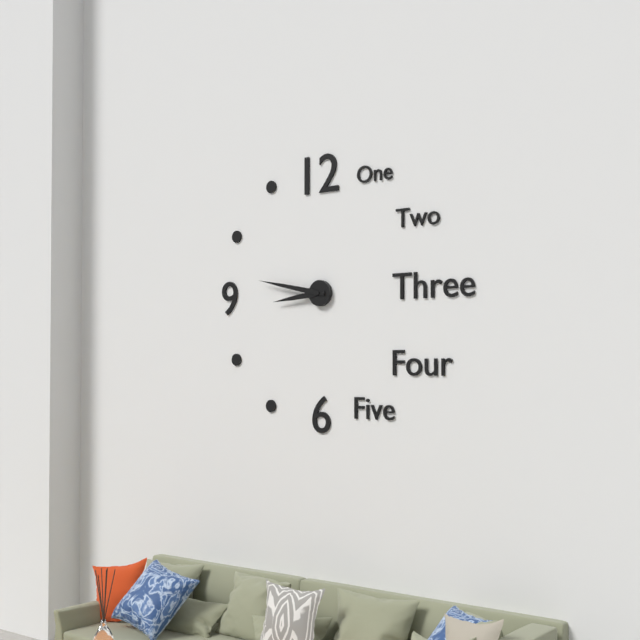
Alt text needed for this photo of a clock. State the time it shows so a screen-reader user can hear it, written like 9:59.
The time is 8:47
